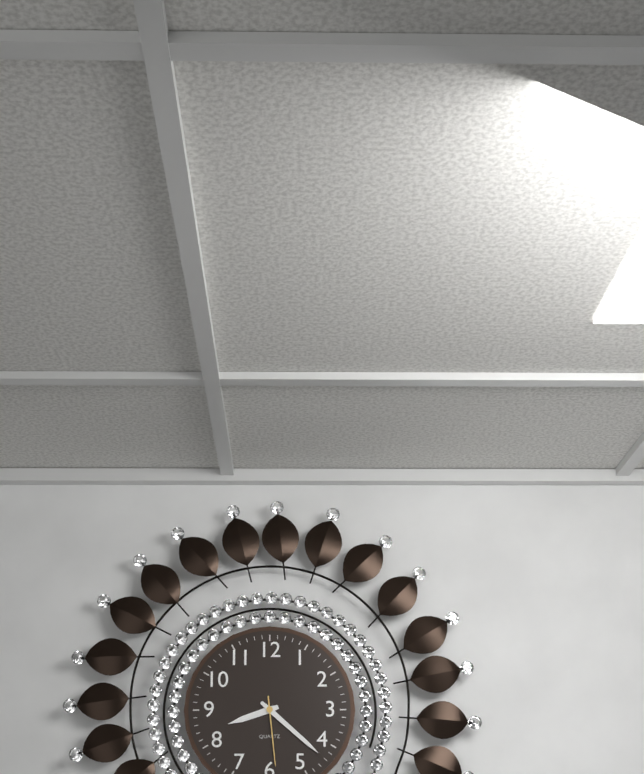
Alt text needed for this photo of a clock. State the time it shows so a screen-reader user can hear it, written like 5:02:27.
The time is 8:22:29
